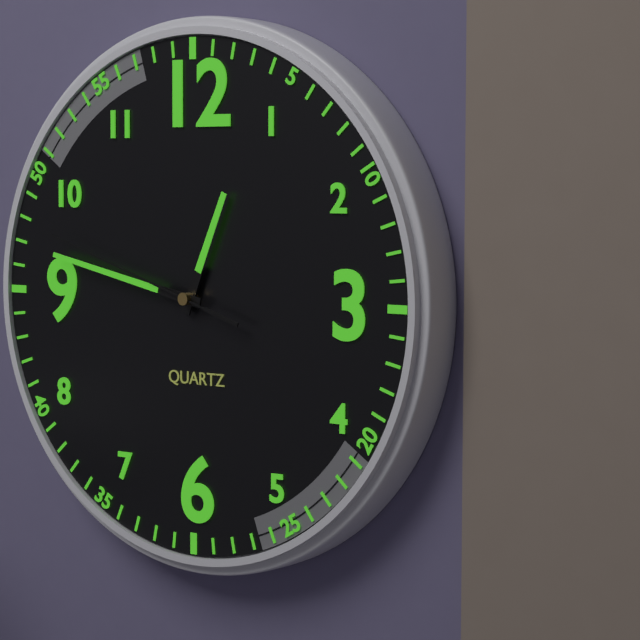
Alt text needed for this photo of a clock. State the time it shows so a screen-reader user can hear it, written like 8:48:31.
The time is 12:47:48
